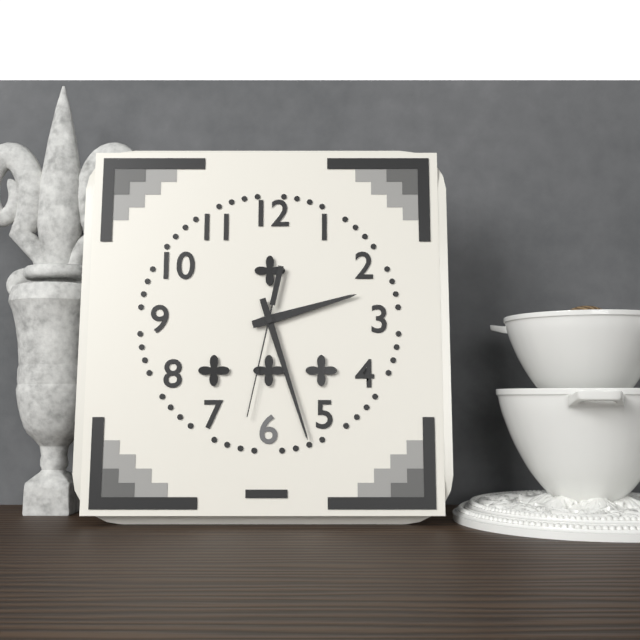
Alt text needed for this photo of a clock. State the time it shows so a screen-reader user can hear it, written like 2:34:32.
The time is 2:27:32
